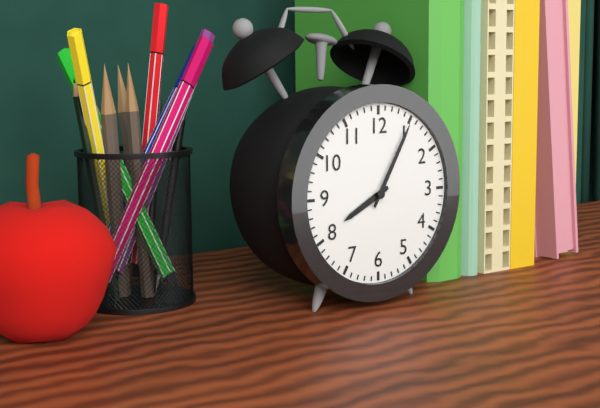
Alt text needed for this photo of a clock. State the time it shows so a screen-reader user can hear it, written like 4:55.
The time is 8:05
